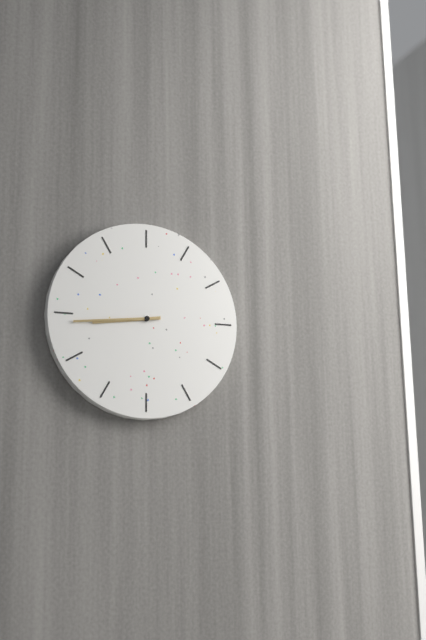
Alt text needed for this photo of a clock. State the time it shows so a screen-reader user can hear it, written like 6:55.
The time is 8:44
